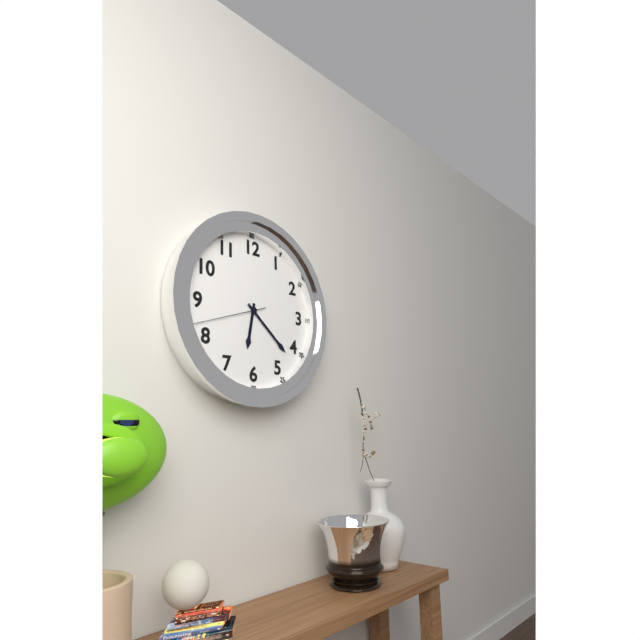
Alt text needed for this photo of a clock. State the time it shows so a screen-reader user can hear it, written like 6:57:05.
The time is 6:22:42
